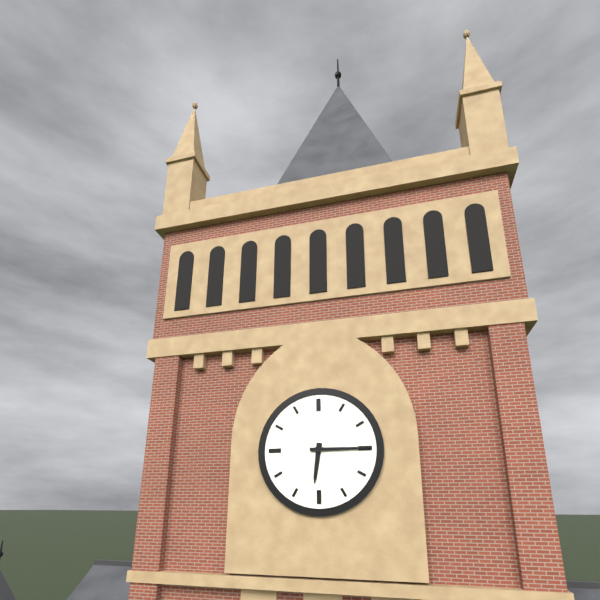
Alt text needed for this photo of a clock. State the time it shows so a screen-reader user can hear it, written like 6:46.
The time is 6:15
